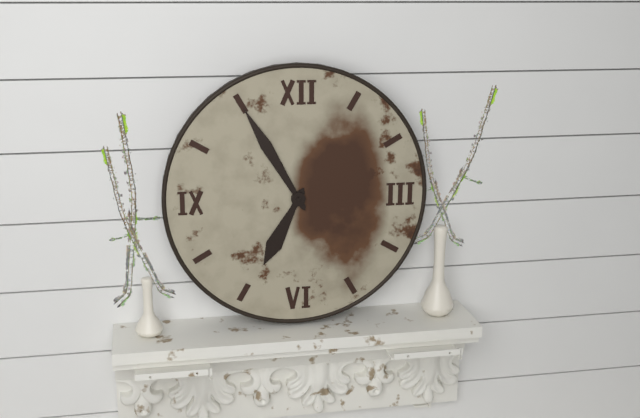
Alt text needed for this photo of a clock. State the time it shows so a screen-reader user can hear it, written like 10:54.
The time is 6:55
